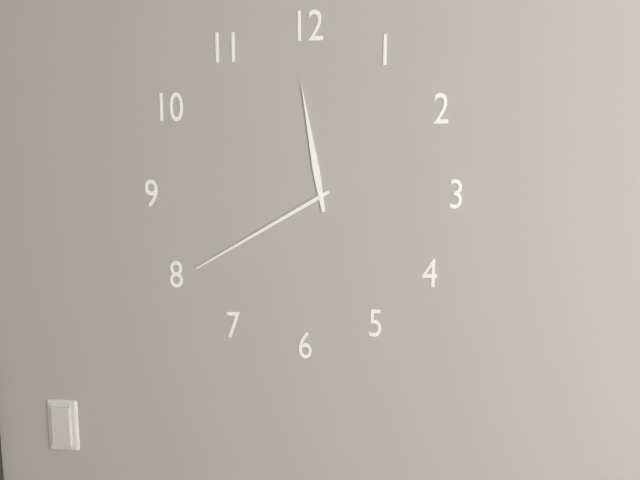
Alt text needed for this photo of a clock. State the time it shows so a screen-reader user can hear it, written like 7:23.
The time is 11:40
